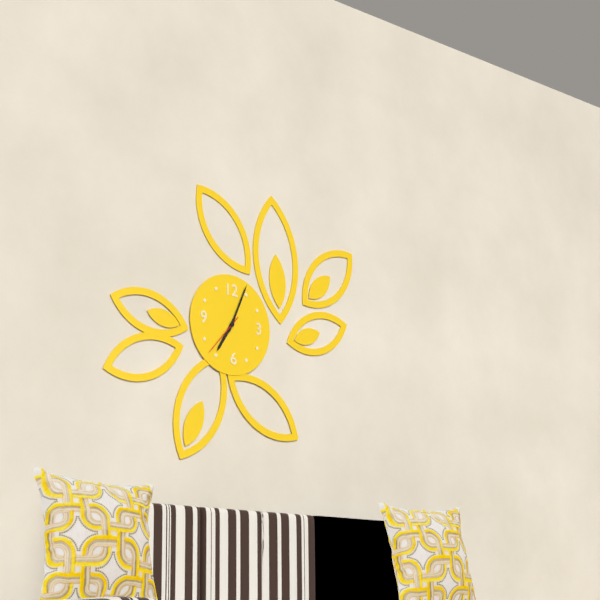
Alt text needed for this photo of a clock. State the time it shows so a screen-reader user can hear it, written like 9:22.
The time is 7:04
